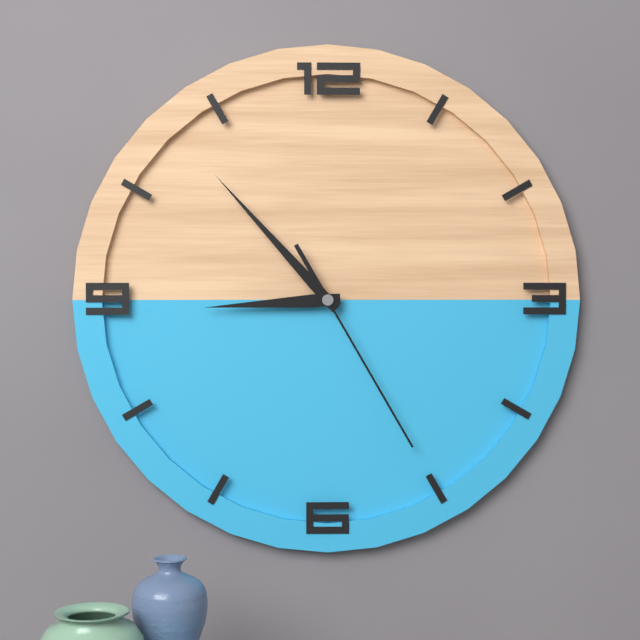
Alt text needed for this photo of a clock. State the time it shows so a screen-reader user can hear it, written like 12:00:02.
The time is 8:53:25
